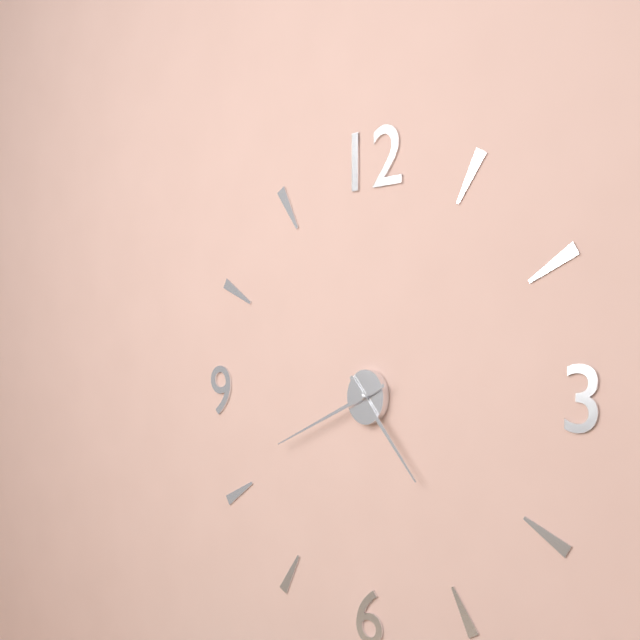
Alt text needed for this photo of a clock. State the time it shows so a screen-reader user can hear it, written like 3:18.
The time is 4:41
